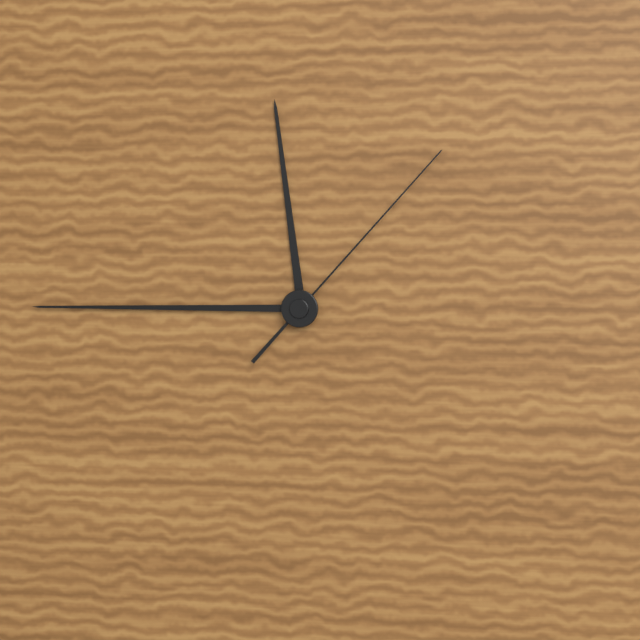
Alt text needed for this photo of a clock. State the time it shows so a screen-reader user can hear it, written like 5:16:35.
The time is 11:45:07
